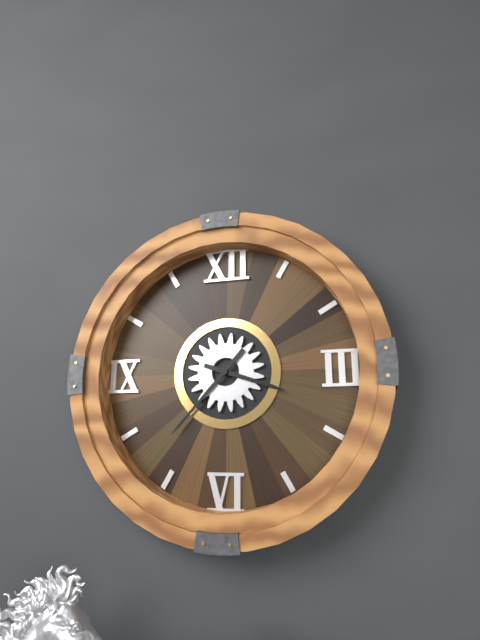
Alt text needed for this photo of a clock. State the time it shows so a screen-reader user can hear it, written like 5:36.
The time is 3:37
